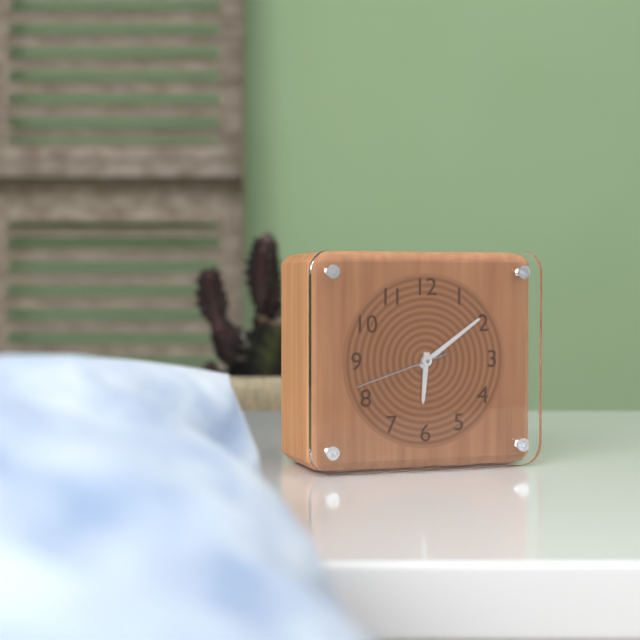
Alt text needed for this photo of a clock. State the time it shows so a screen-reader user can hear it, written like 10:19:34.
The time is 6:09:42
